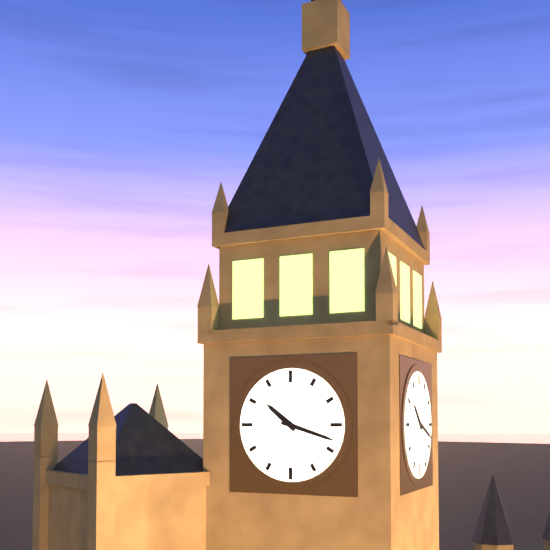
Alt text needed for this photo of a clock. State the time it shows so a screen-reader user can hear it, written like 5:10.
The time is 10:18
